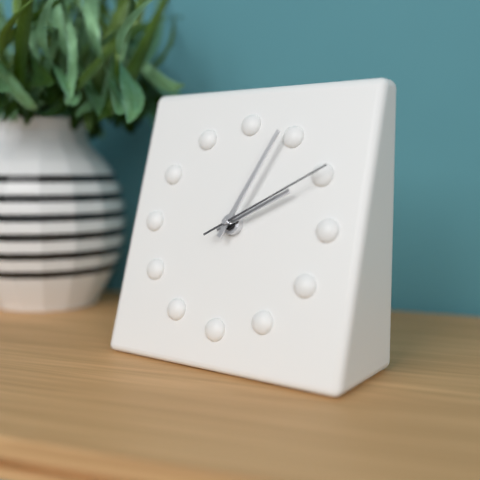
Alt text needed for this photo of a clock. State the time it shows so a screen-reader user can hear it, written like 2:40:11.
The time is 2:04:10
